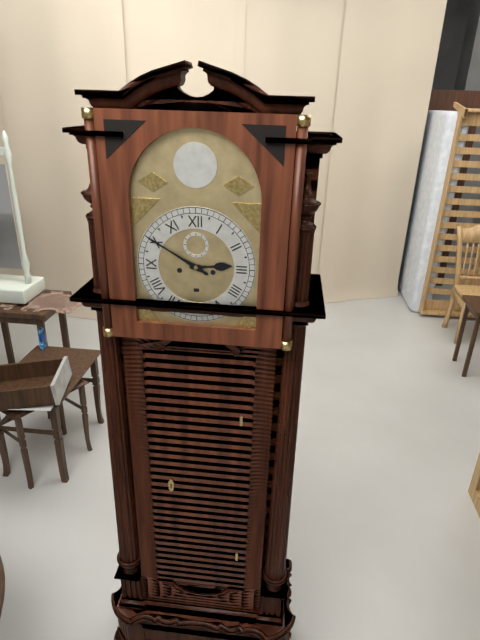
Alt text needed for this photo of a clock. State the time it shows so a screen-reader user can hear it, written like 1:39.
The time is 2:50
